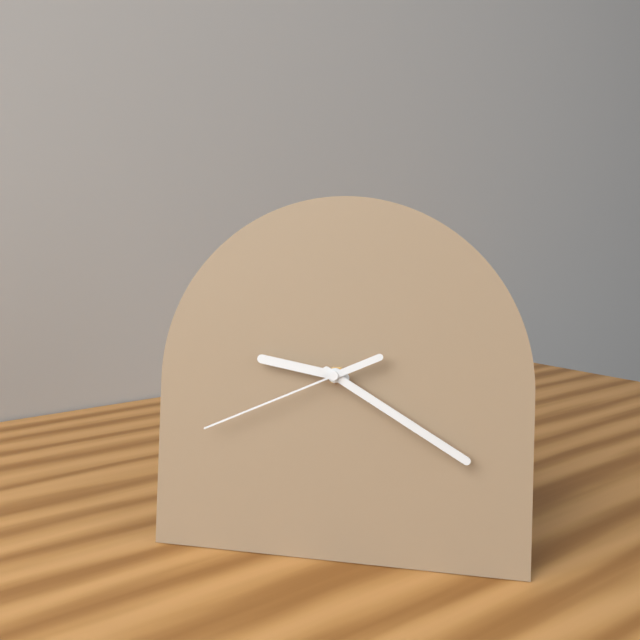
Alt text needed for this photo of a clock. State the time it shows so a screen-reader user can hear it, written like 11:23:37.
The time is 9:20:41
